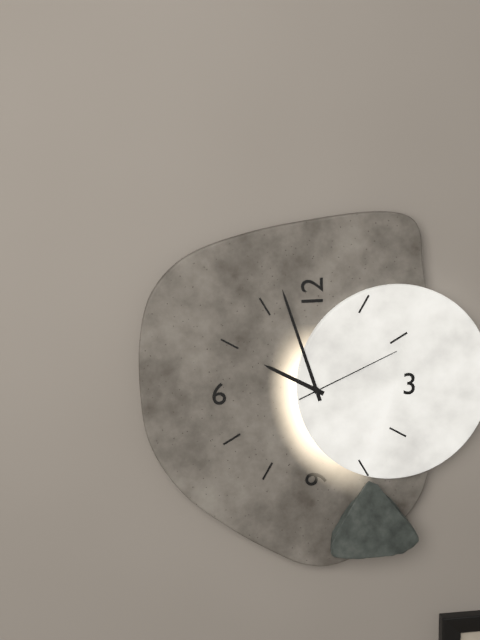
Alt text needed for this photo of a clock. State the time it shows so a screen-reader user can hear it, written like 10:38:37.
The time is 9:57:11
